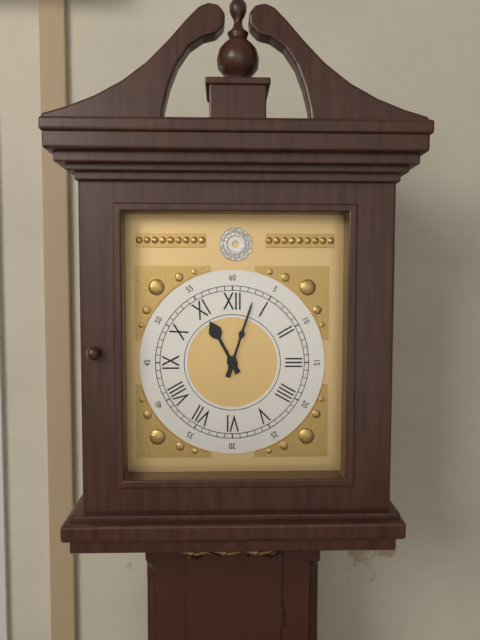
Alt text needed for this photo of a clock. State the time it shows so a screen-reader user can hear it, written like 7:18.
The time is 11:03
